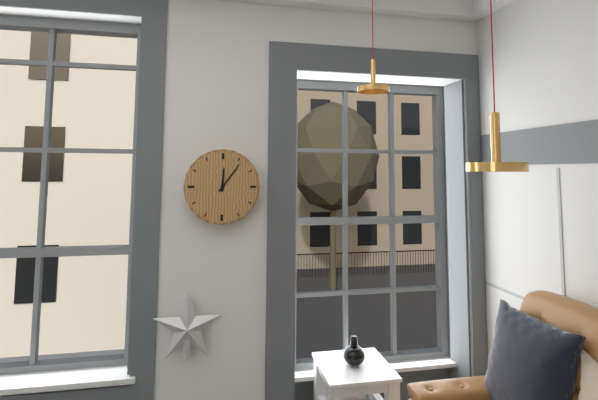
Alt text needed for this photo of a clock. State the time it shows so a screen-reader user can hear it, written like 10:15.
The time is 12:06
